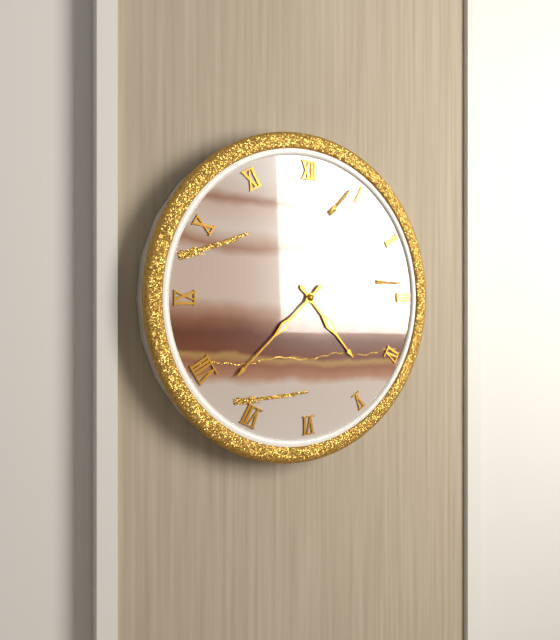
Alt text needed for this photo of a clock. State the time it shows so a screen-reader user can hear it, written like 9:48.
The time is 4:38
